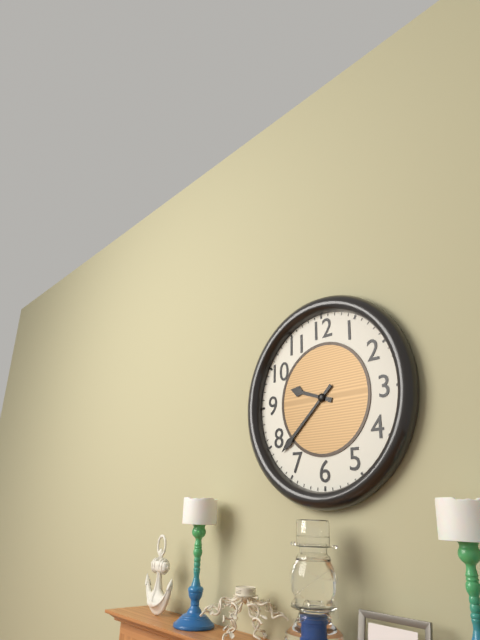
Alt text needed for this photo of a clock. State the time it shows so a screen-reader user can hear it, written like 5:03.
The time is 9:38
